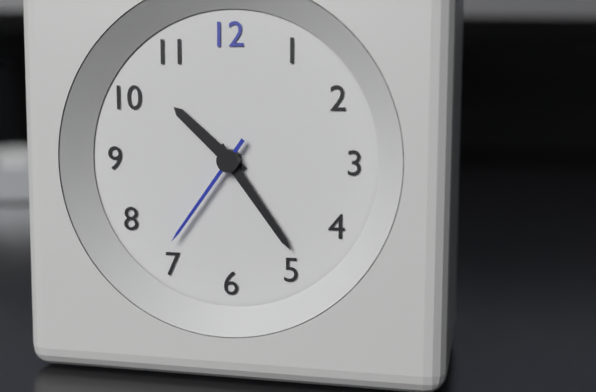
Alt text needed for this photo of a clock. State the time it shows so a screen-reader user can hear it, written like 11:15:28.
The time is 10:24:36
